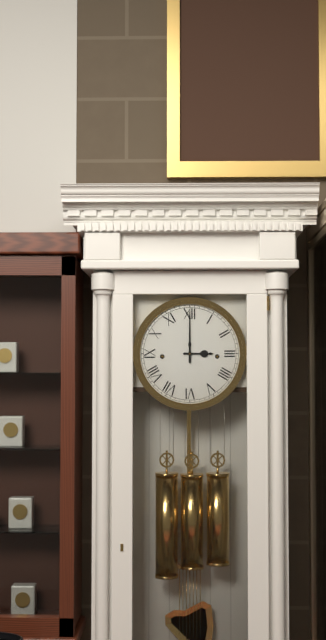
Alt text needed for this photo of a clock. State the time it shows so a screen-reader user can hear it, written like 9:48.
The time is 3:00
